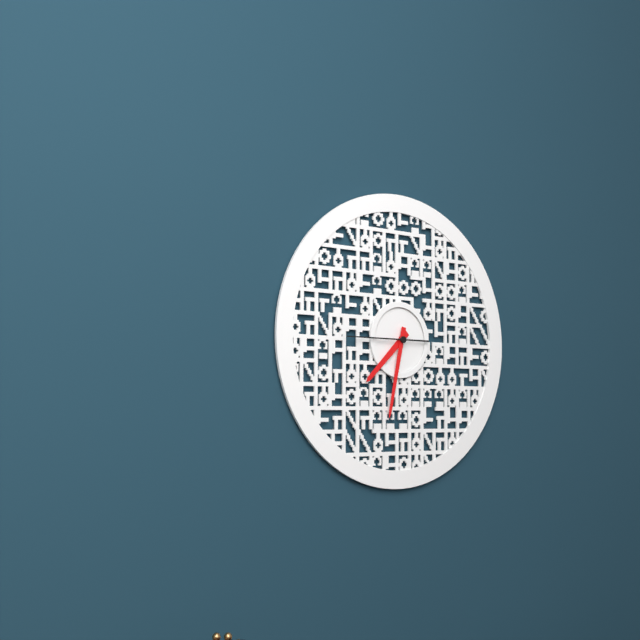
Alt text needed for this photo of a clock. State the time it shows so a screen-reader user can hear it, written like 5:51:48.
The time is 7:32:45
